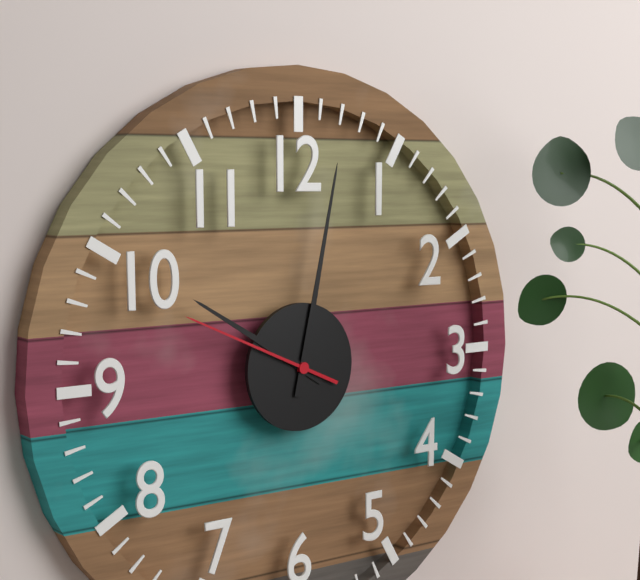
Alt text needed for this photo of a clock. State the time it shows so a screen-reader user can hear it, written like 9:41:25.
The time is 10:02:49
